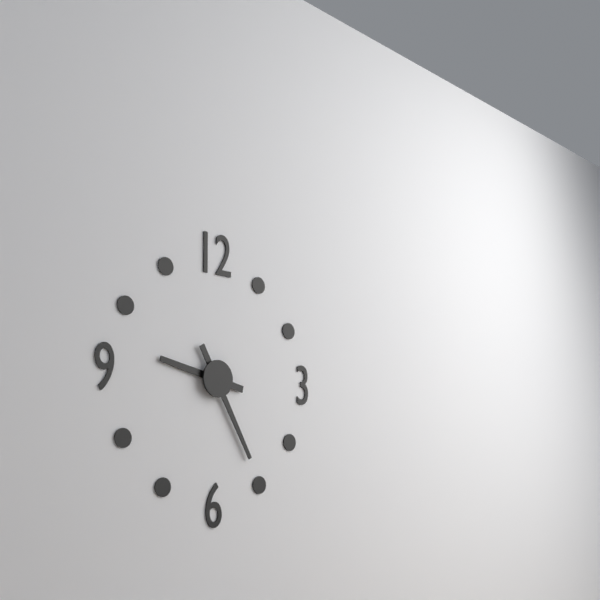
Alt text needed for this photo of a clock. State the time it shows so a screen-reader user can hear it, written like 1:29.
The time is 9:25
